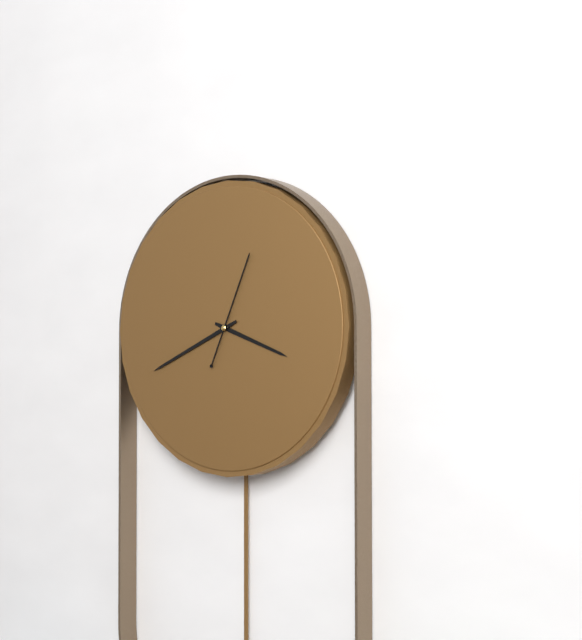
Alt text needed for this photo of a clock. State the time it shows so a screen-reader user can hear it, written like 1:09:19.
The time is 3:41:04
